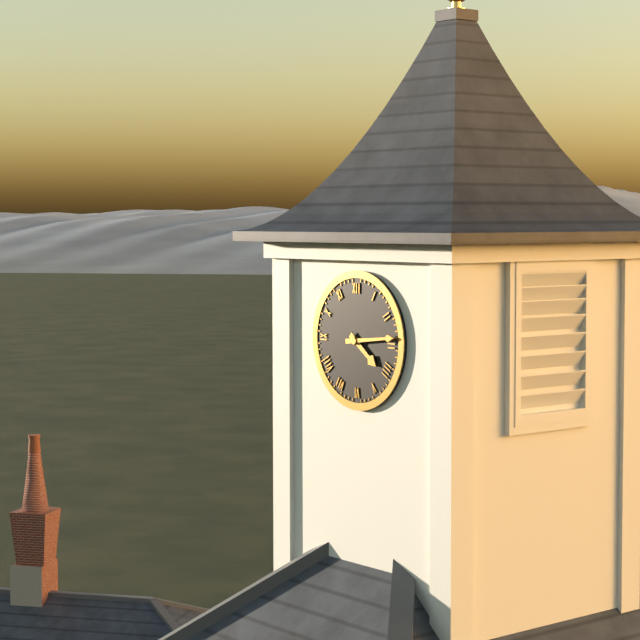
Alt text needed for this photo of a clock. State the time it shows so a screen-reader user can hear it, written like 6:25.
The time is 4:14
